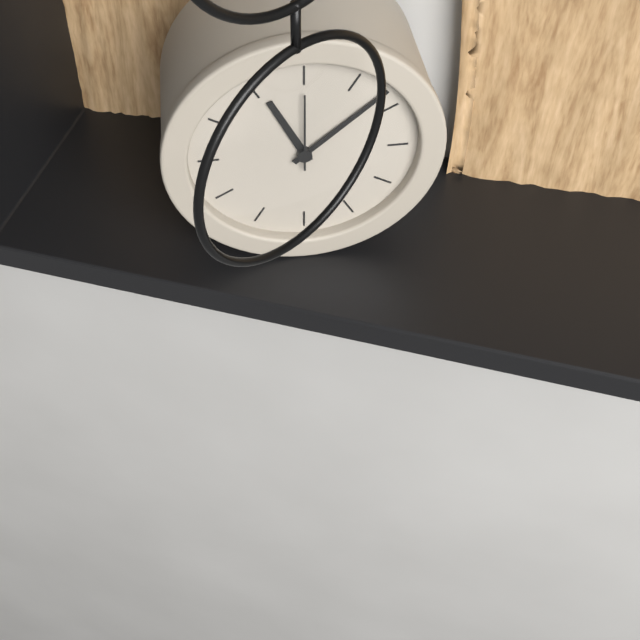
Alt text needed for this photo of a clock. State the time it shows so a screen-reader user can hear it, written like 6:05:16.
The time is 11:08:00
